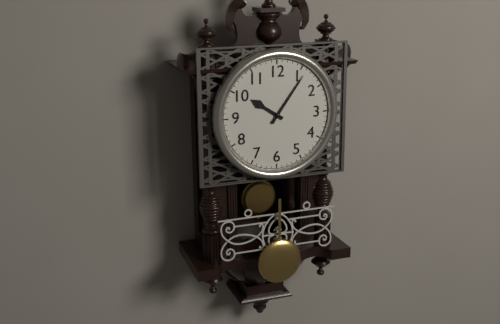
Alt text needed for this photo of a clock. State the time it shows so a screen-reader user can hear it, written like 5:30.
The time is 10:06
